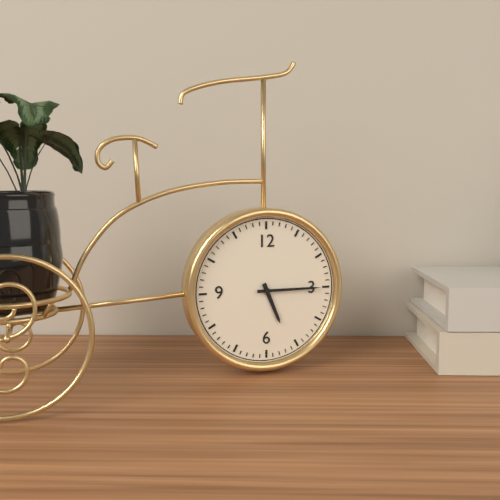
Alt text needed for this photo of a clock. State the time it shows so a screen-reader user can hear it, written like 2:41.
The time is 5:15
